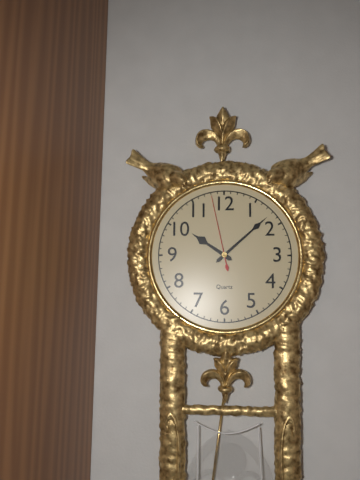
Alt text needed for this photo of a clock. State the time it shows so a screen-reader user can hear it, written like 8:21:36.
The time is 10:08:58
